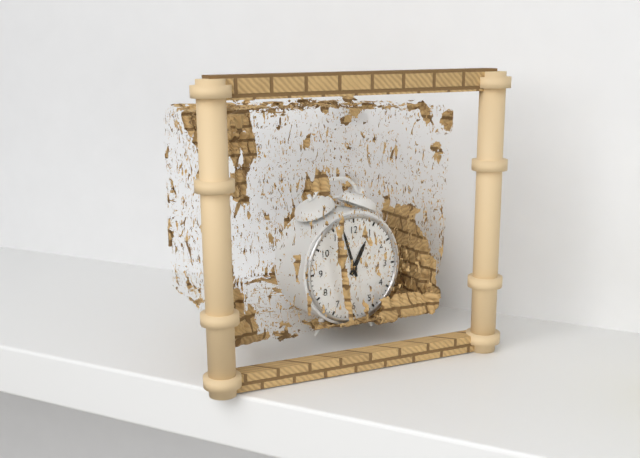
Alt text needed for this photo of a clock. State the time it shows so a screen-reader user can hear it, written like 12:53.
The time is 12:57
